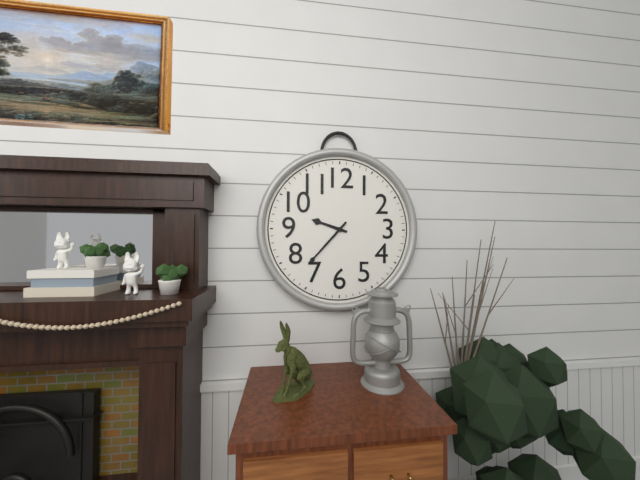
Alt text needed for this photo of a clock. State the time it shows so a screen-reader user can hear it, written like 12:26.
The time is 9:37
